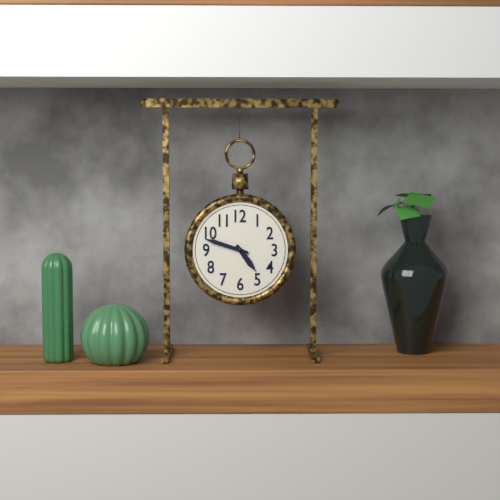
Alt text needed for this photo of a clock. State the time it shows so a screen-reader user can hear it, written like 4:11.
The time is 4:48
